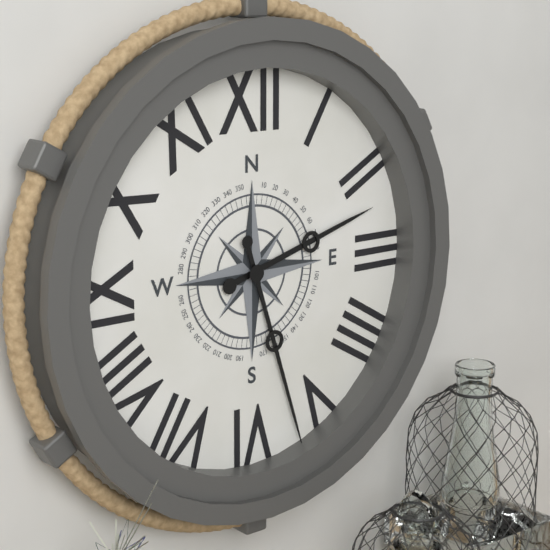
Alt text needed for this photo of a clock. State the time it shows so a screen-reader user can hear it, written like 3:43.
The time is 2:27
